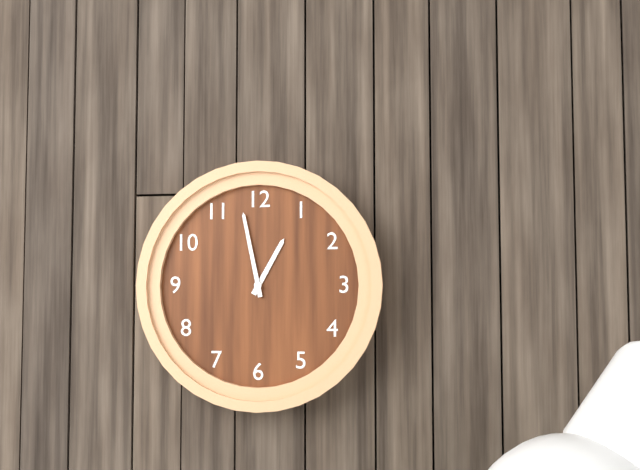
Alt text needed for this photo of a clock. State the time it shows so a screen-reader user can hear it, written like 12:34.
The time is 12:58
